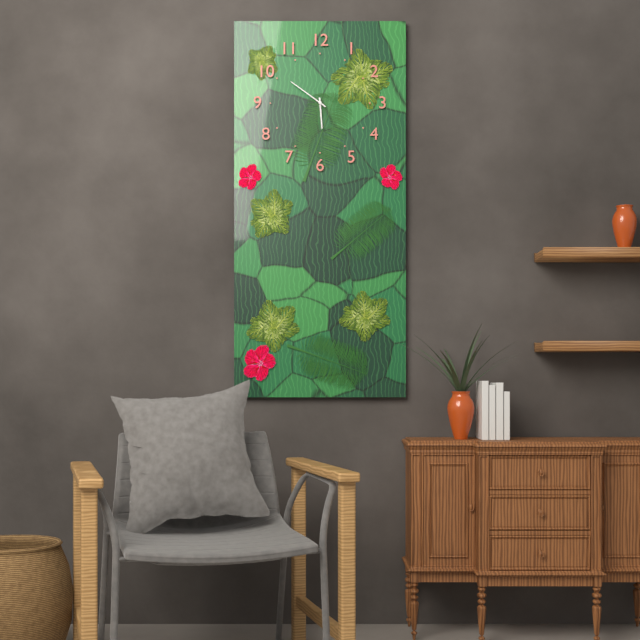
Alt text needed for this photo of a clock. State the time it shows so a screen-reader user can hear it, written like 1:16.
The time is 5:51
